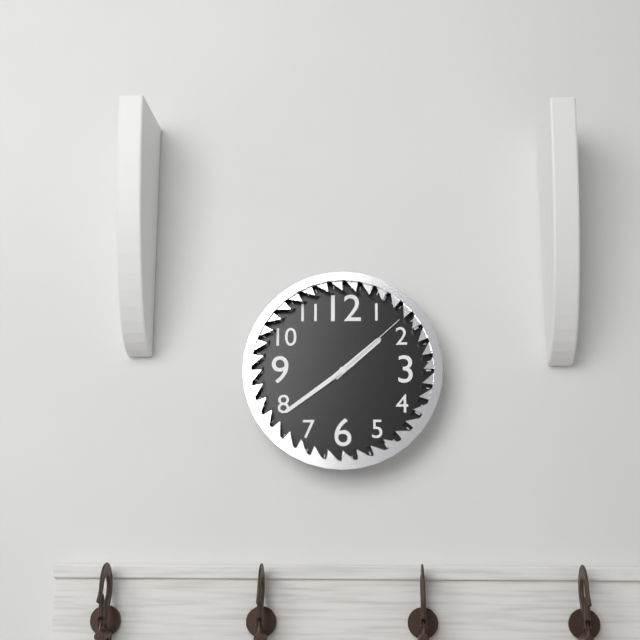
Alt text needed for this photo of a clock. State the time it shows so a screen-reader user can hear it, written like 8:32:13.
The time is 1:39:08
